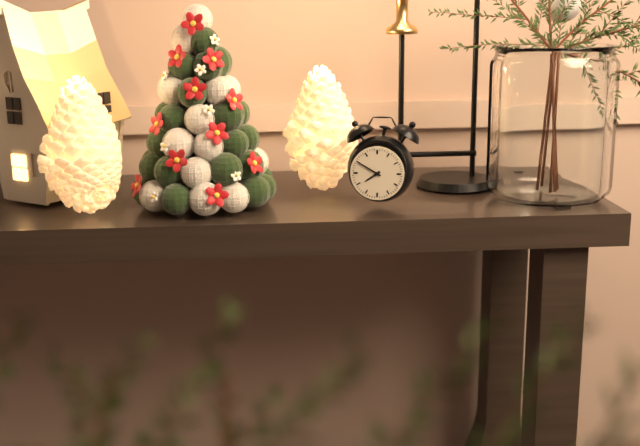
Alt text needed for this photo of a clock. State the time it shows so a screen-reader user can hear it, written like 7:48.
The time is 7:50
